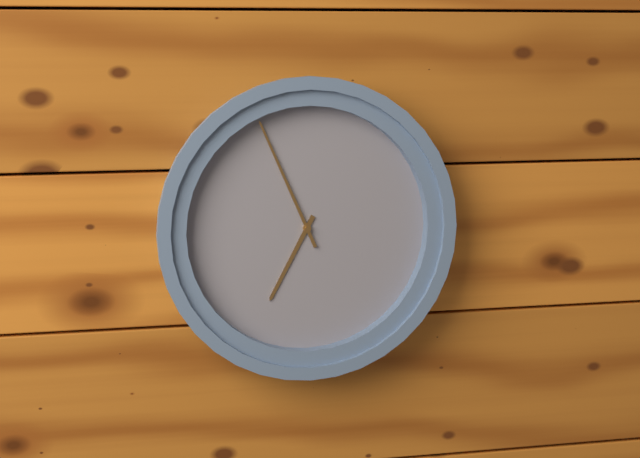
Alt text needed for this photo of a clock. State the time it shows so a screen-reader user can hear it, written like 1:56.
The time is 6:56
